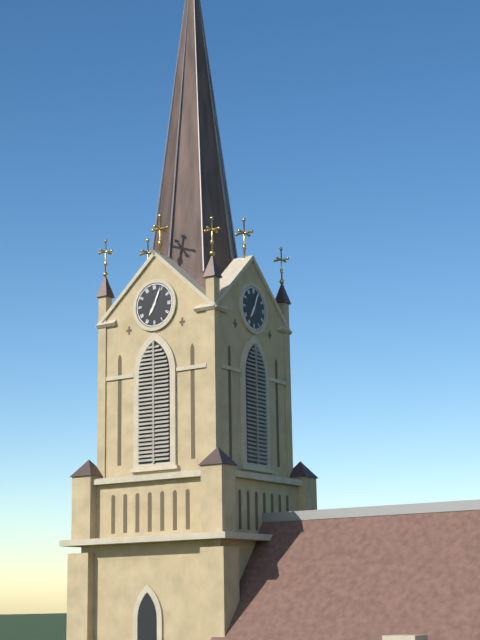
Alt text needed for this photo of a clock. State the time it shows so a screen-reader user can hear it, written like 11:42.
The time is 7:04
